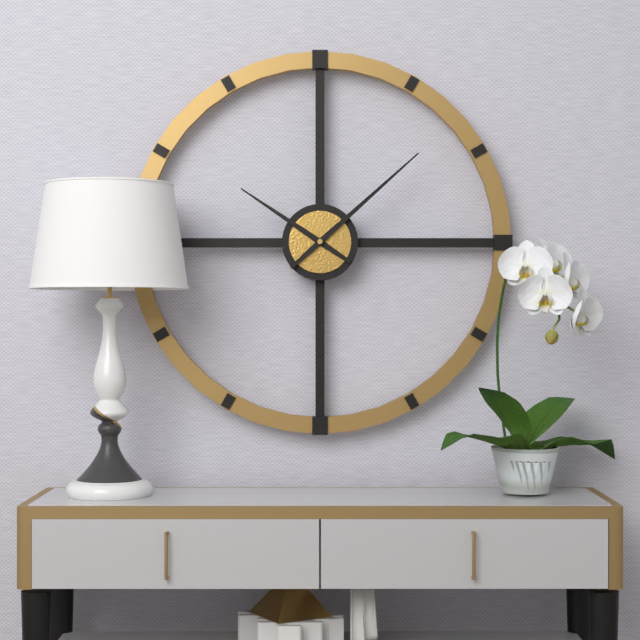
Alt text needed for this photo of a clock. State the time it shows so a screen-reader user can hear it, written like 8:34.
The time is 10:08
